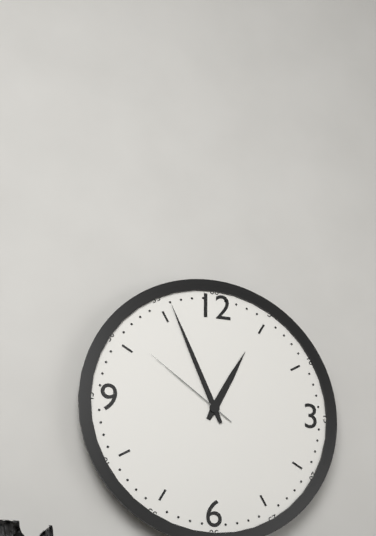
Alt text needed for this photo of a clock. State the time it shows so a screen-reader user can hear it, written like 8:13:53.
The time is 12:56:51
